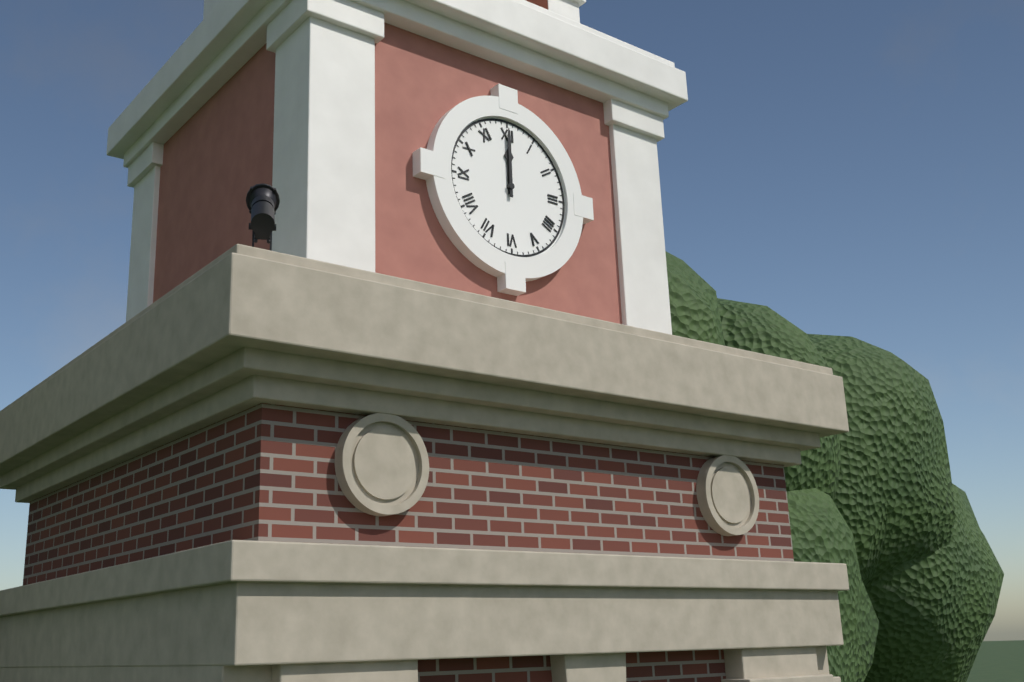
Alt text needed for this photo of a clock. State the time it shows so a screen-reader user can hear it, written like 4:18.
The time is 12:00
